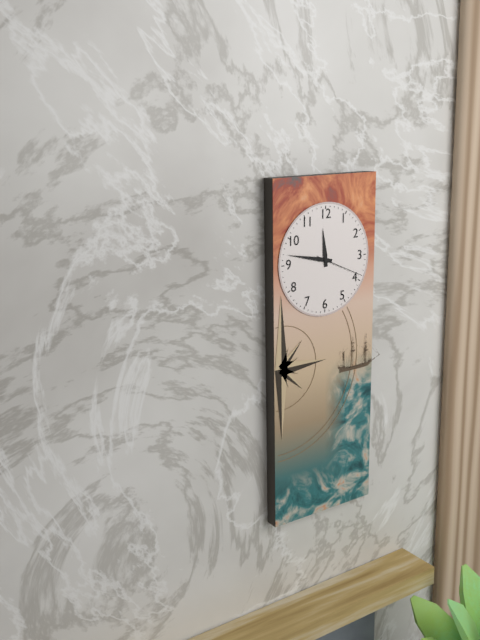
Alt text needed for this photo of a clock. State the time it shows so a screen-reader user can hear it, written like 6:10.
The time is 11:47
